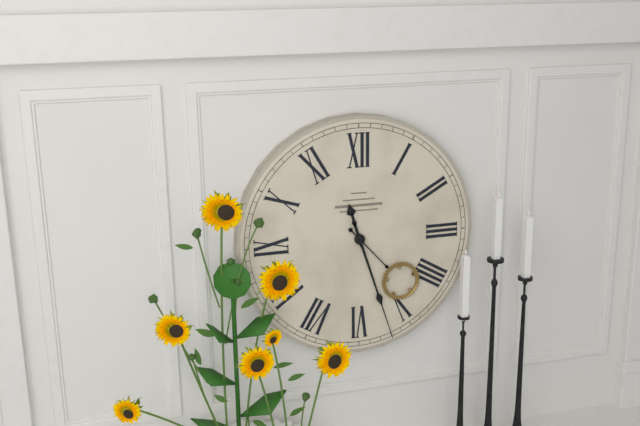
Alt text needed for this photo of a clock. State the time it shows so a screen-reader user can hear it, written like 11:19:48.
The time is 11:27:23
